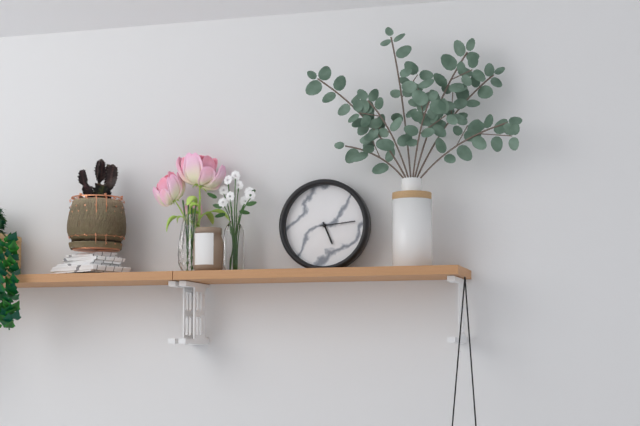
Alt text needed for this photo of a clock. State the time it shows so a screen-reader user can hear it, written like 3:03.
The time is 5:14
